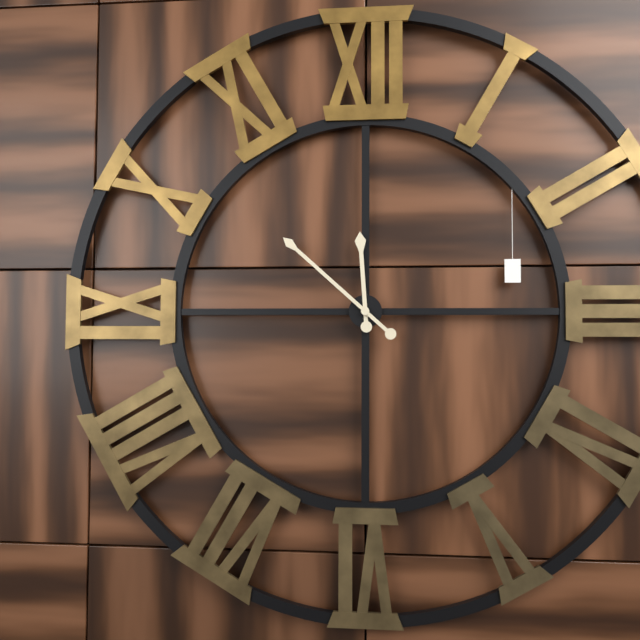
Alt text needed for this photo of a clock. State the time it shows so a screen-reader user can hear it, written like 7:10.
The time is 11:52
